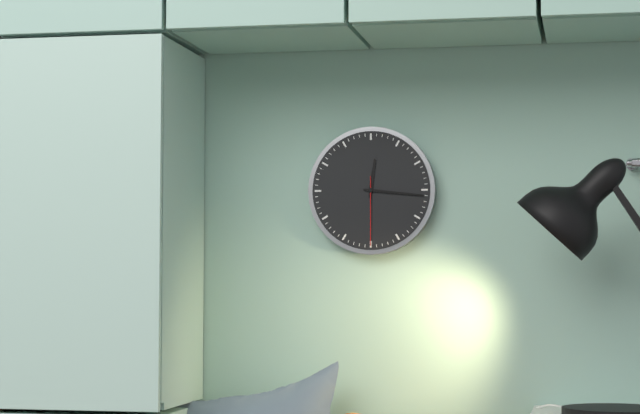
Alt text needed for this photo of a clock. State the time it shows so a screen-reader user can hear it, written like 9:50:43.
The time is 12:16:30
